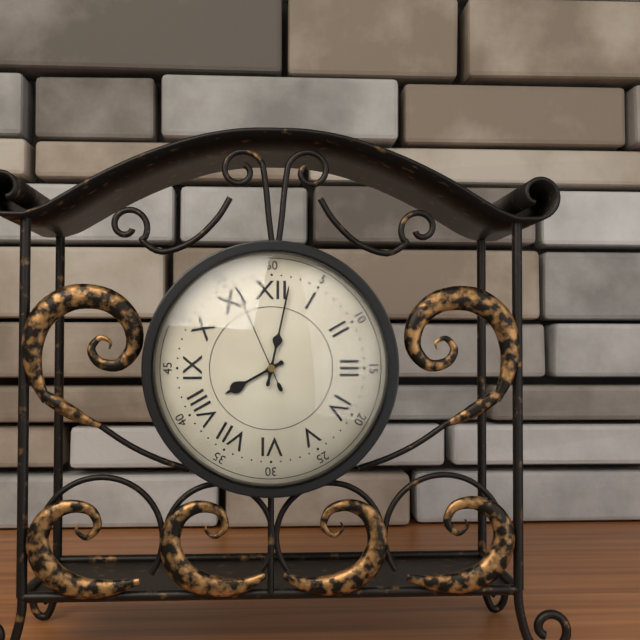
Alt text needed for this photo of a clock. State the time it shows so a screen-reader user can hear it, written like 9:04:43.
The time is 8:02:56
